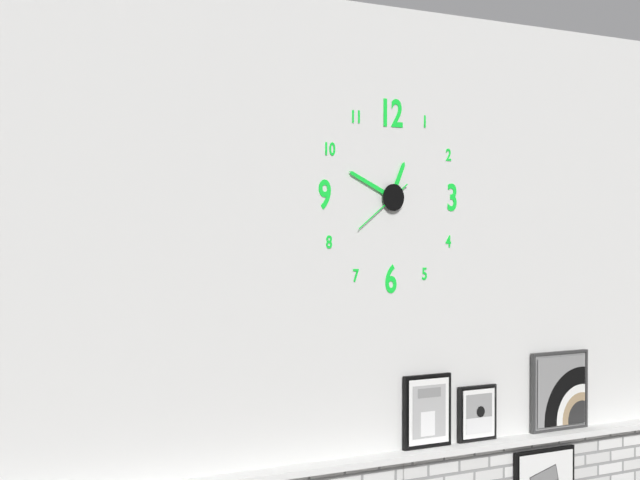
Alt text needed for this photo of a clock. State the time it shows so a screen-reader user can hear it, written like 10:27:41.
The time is 12:49:39
